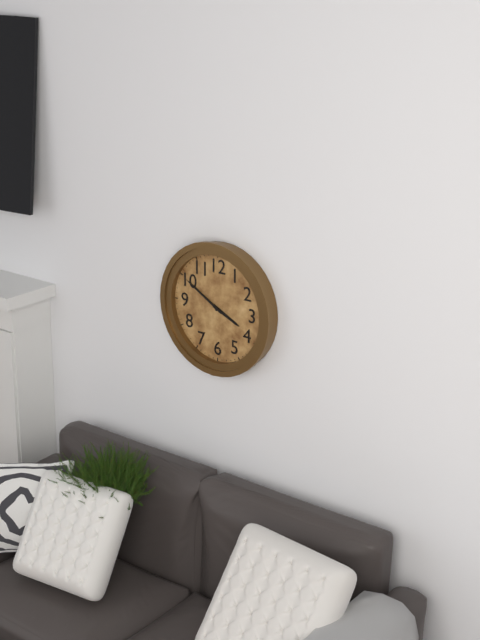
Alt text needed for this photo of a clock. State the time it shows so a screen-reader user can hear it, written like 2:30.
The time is 3:50
